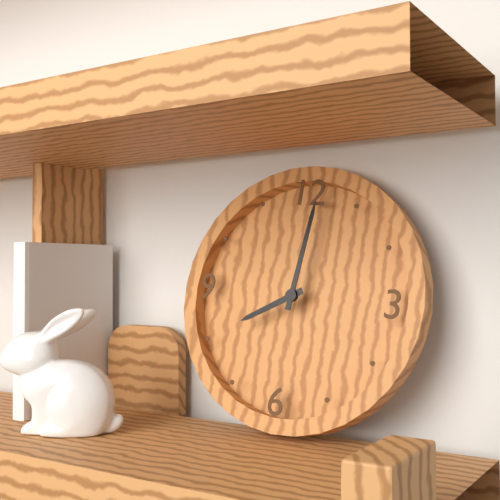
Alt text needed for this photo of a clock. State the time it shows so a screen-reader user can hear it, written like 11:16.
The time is 8:01
